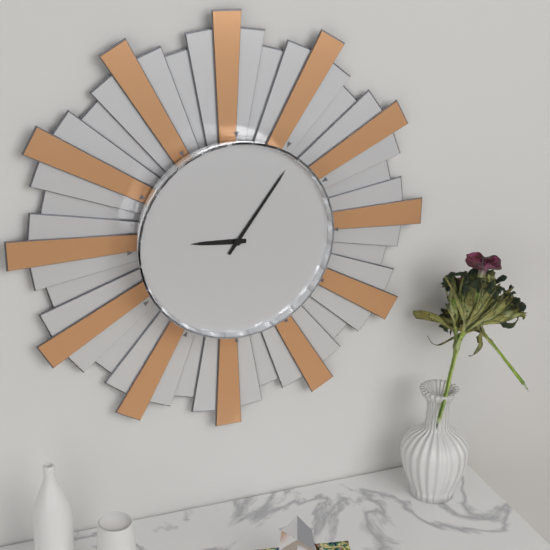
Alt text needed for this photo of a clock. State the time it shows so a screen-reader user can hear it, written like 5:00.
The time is 9:06
